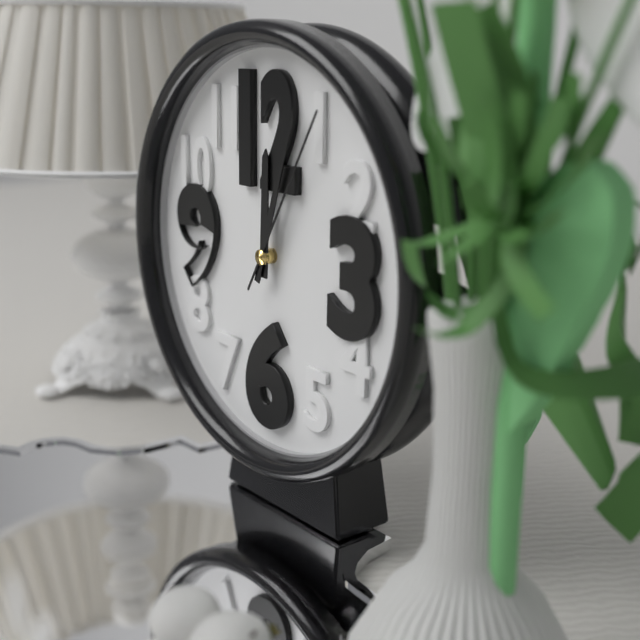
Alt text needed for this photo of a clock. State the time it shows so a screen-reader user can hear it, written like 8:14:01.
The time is 12:03:05
